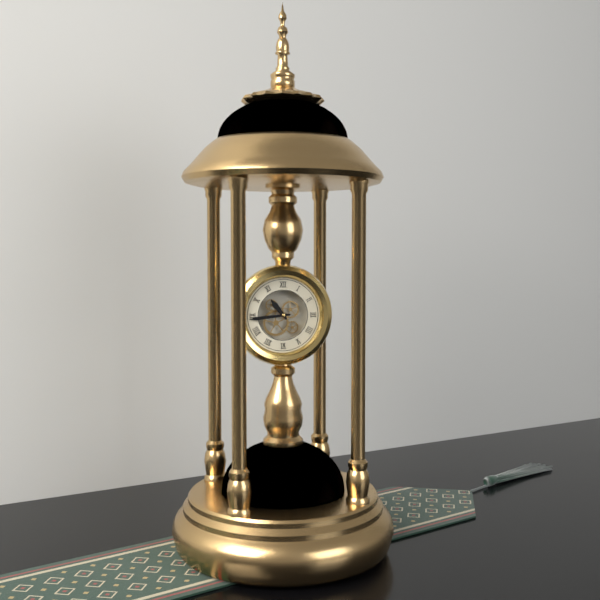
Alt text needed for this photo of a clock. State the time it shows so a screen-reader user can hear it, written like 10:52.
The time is 10:44
